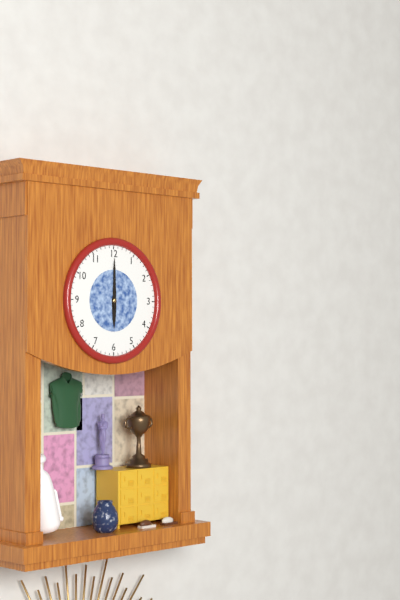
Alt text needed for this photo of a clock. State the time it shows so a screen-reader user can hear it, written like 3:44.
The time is 6:00
